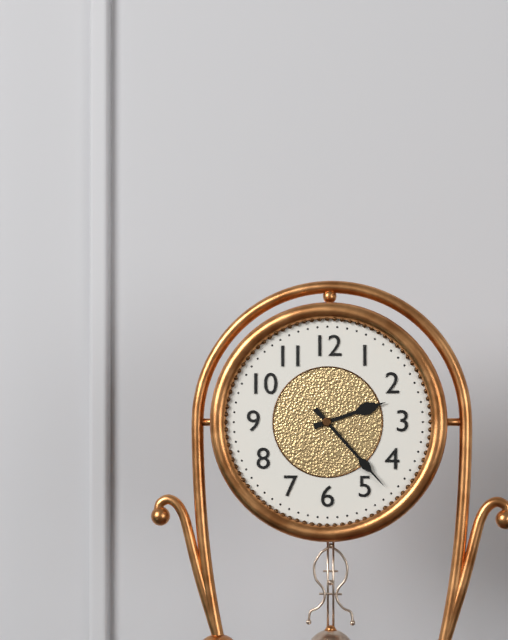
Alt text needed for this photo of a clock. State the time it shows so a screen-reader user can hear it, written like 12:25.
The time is 2:23
